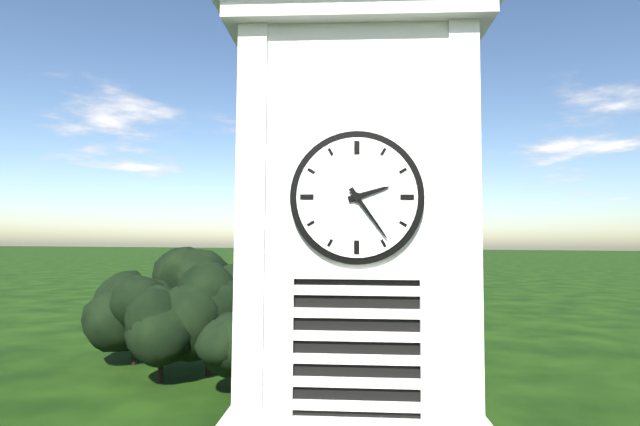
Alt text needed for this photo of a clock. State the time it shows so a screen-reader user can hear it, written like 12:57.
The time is 2:24
